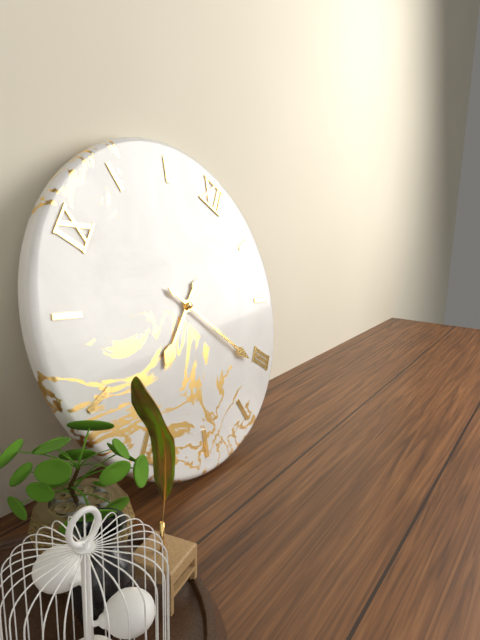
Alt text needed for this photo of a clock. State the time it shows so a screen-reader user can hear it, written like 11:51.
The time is 6:16
